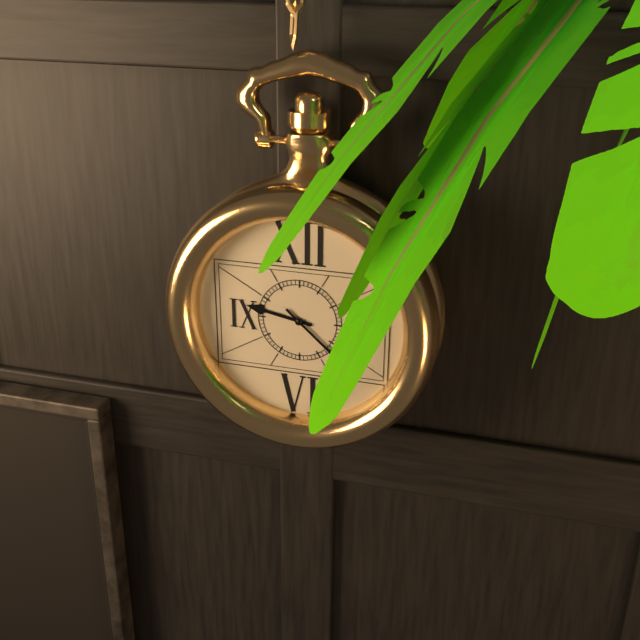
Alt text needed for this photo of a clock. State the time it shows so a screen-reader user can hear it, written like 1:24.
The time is 9:22
